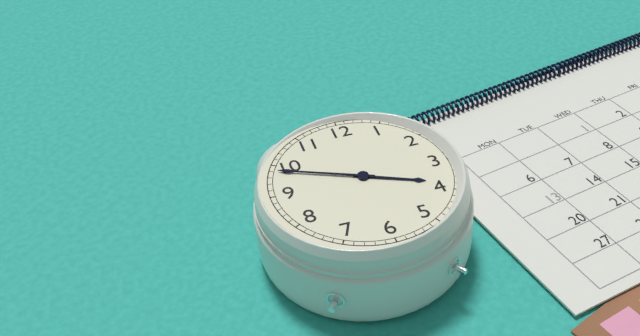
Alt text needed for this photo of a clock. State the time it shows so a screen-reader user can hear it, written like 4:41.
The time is 3:49
